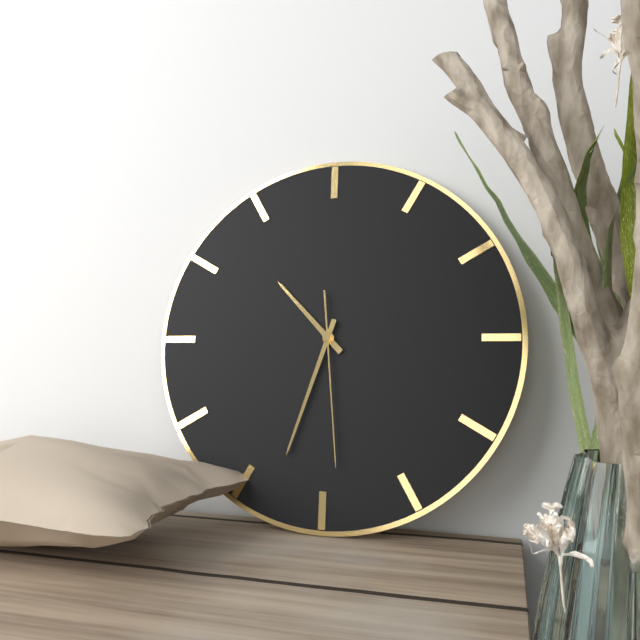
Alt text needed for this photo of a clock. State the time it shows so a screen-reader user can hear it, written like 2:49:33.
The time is 10:33:29
